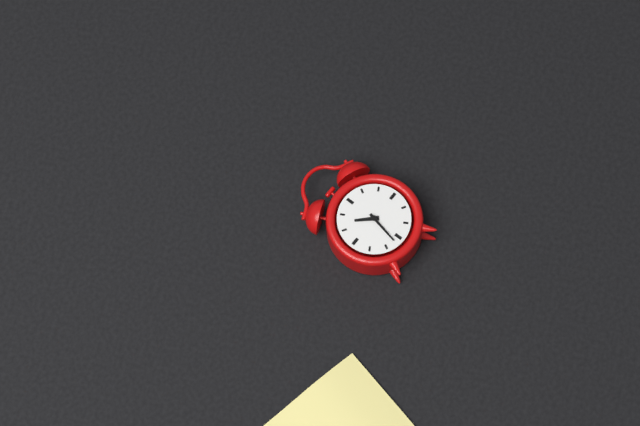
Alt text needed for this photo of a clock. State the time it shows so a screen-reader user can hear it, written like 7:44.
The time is 10:32
